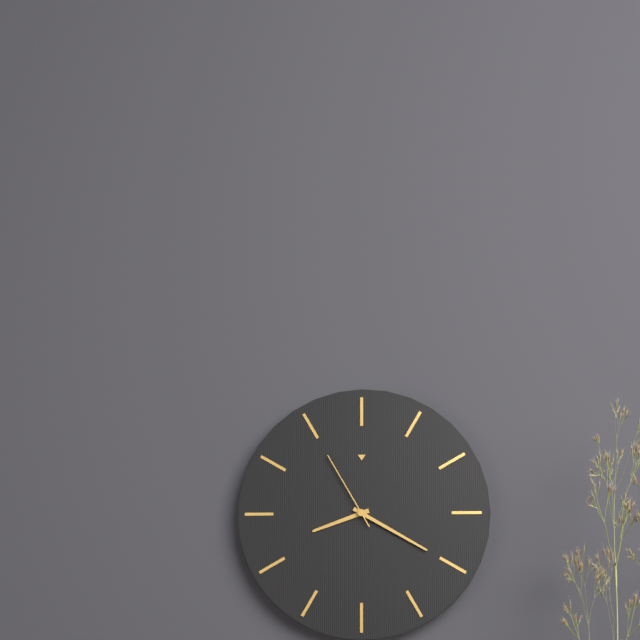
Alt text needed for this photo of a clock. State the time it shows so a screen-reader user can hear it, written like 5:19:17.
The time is 8:20:55
